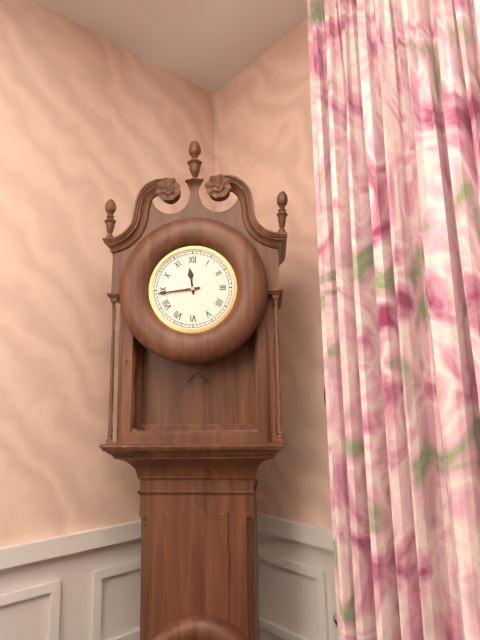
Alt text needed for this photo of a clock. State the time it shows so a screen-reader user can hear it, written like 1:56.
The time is 11:44
